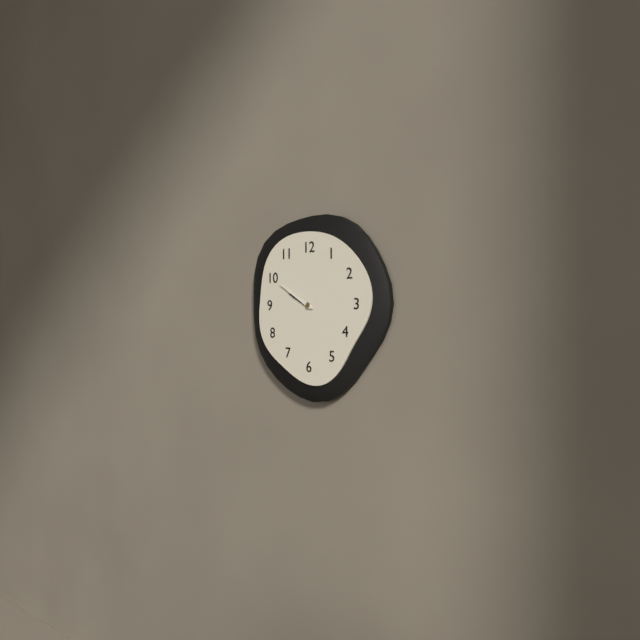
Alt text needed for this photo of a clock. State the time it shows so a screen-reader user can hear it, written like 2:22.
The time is 9:50
